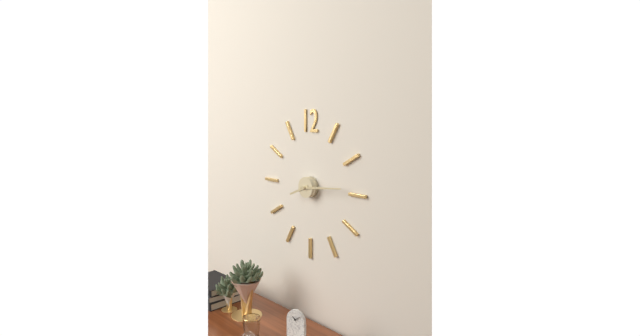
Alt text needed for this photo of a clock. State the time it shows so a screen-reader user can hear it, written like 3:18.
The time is 8:14
